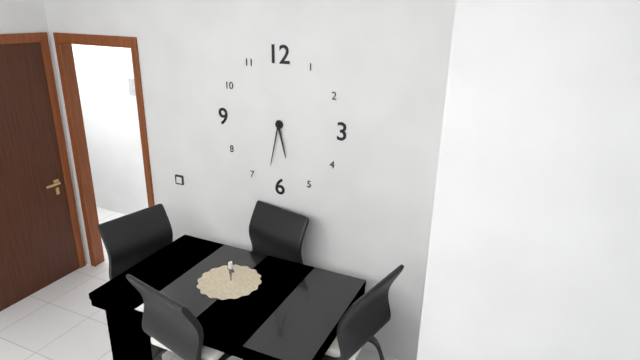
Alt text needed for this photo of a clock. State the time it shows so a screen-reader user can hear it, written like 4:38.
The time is 5:32
